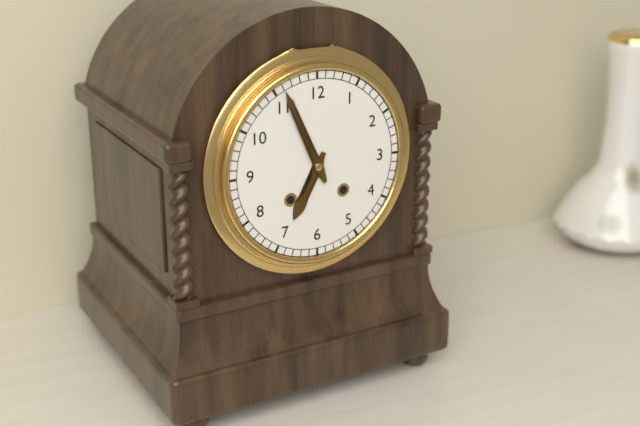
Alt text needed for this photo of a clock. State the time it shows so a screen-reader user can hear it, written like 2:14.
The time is 6:56
